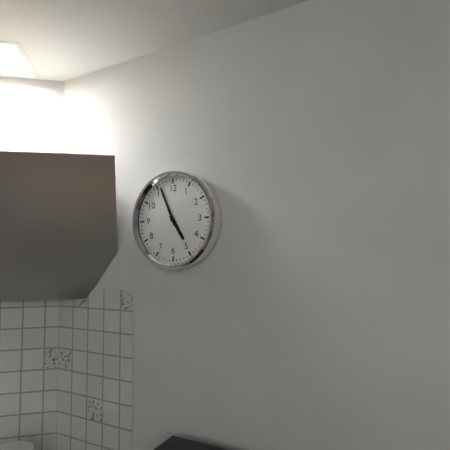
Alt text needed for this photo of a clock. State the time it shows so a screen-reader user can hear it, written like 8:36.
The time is 4:56
